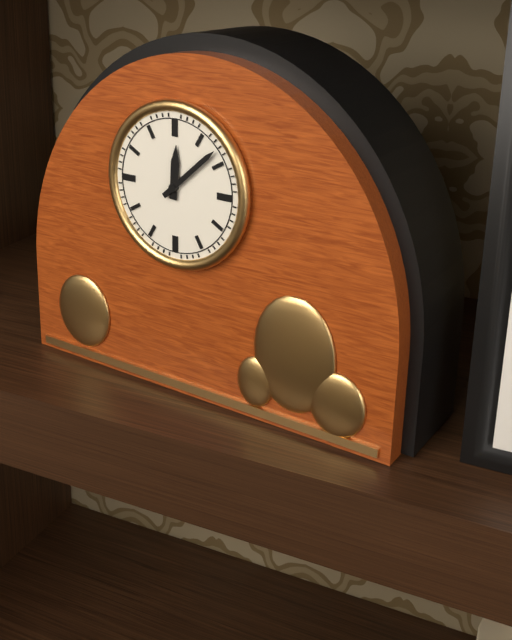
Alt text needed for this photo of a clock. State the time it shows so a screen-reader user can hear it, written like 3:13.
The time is 12:08
